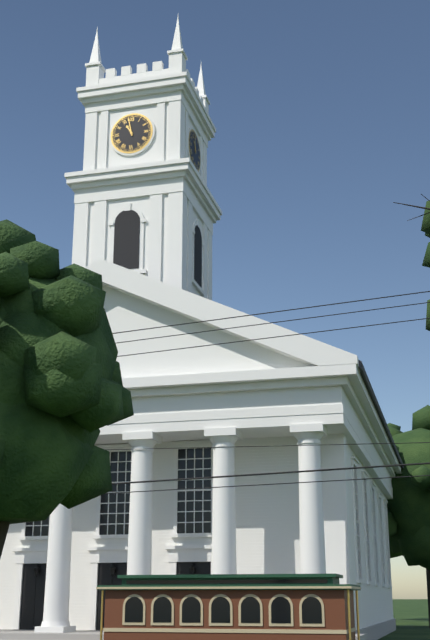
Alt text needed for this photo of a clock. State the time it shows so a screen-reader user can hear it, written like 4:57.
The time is 10:58
